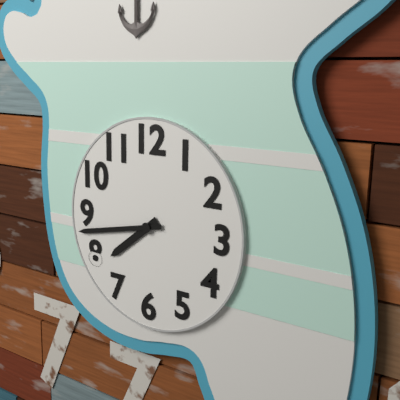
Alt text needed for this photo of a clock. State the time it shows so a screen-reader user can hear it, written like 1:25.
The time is 7:43
